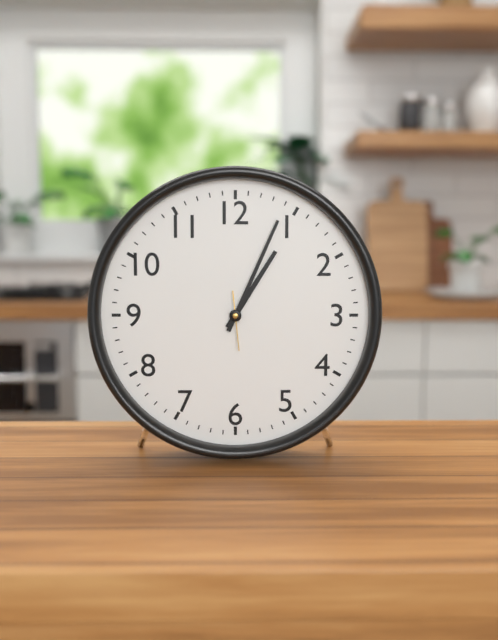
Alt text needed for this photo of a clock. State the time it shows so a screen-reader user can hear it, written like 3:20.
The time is 1:04
